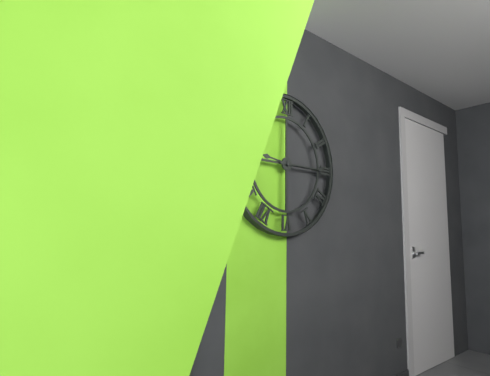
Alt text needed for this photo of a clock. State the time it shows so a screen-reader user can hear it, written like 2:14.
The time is 9:15
